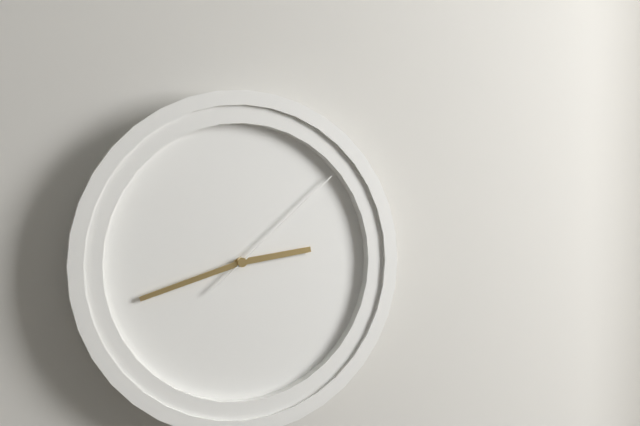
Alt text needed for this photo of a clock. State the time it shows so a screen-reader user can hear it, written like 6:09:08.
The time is 2:42:08
